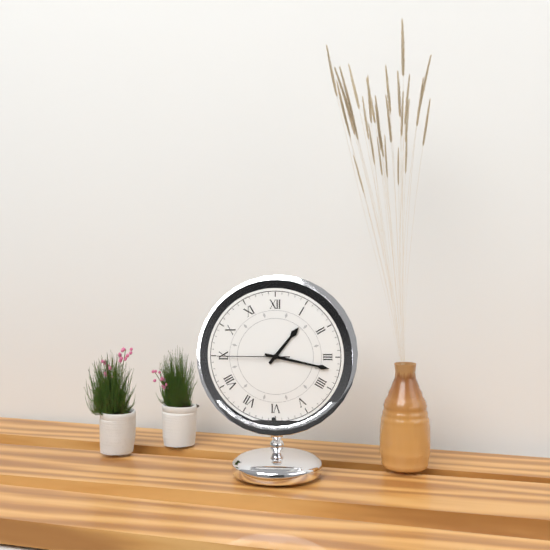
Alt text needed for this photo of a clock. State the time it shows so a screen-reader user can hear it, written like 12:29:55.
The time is 1:17:45
